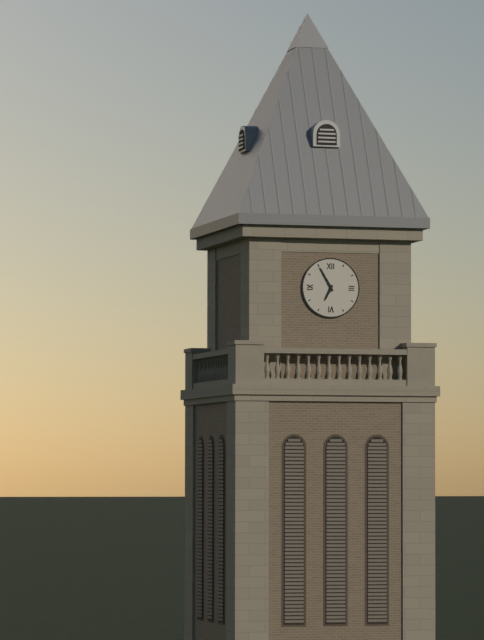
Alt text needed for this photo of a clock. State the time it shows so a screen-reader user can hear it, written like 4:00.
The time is 6:55
